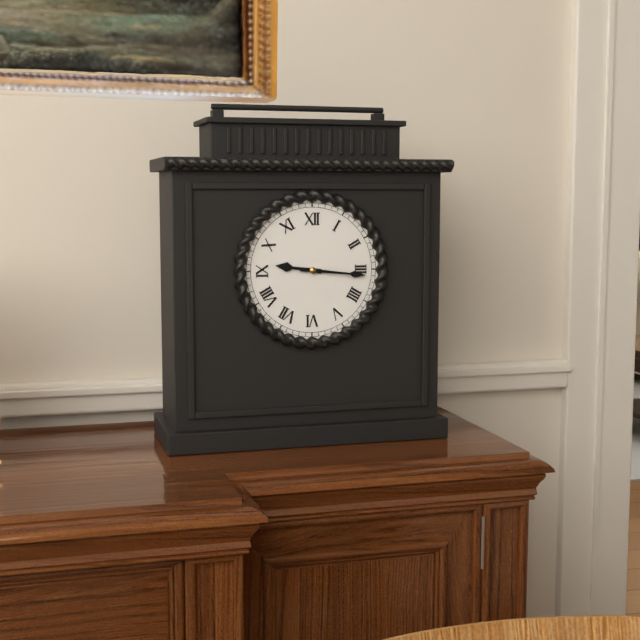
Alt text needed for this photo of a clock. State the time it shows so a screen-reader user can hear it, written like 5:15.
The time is 9:16
